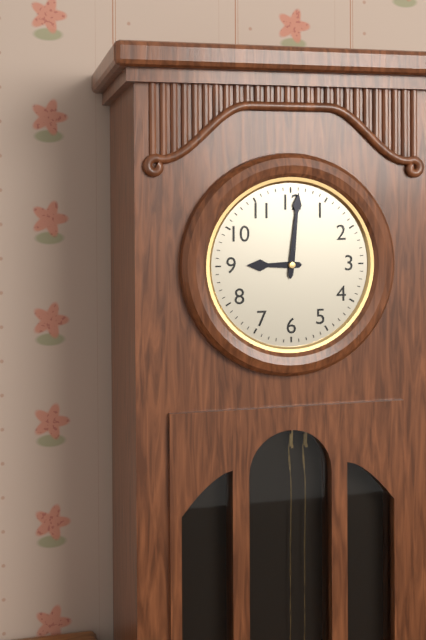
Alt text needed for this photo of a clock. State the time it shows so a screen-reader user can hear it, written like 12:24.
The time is 9:01
